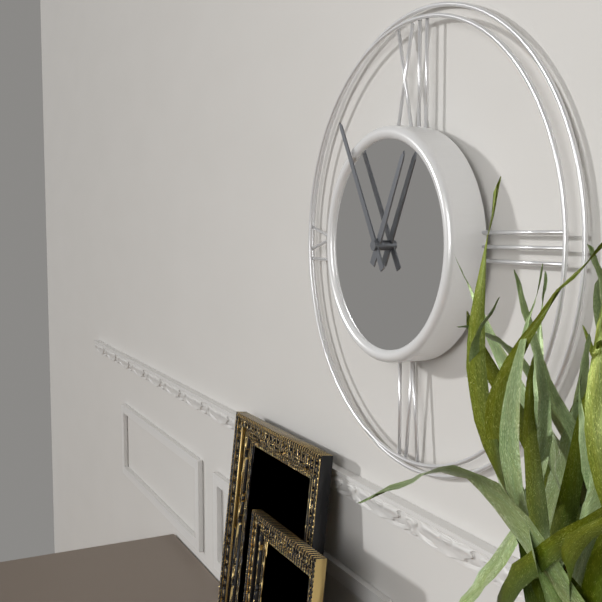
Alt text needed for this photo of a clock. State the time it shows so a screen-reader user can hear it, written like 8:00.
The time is 12:55
